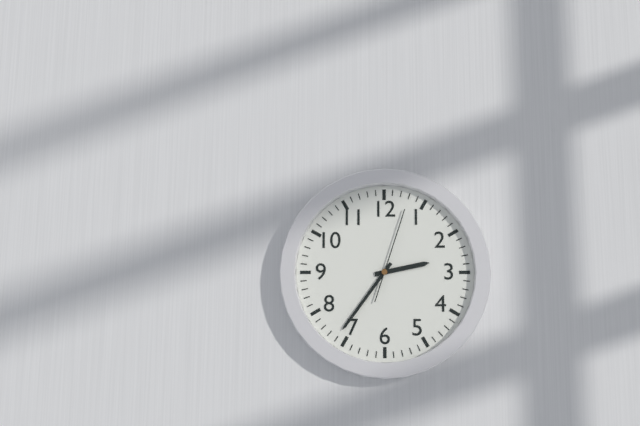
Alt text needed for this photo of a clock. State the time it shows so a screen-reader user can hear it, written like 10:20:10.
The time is 2:36:03
